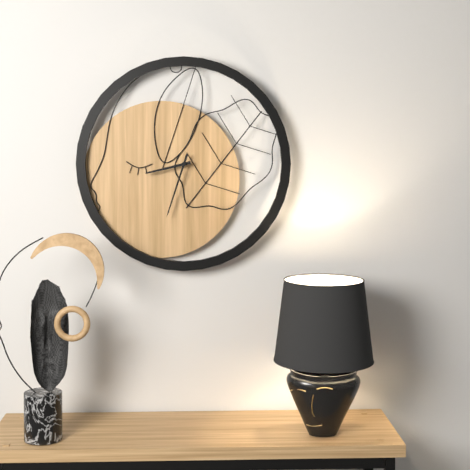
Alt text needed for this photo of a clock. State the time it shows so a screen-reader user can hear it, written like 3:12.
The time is 8:33
